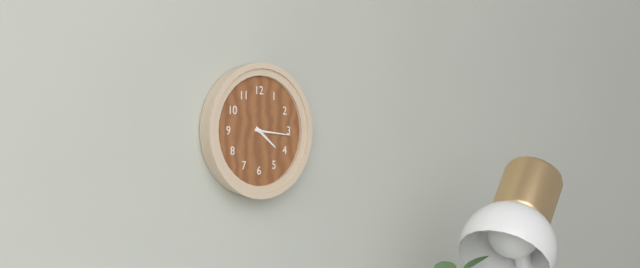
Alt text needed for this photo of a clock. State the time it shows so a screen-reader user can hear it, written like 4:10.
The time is 4:16
